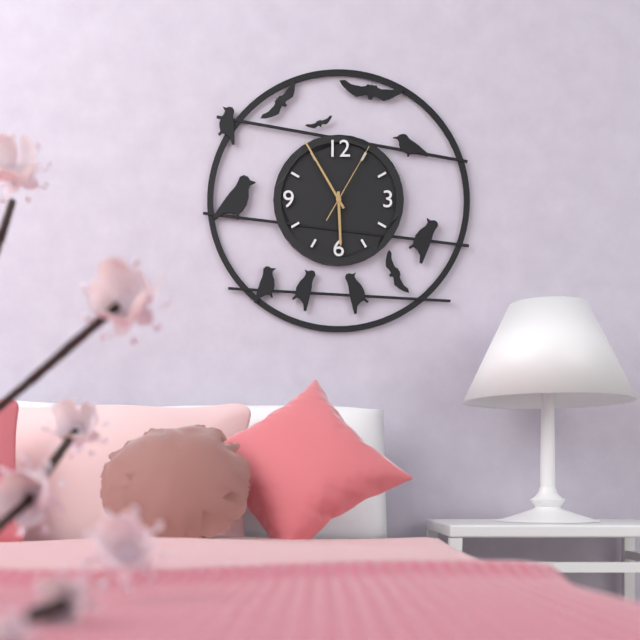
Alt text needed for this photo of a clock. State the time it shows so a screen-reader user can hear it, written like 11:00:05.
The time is 5:55:05
